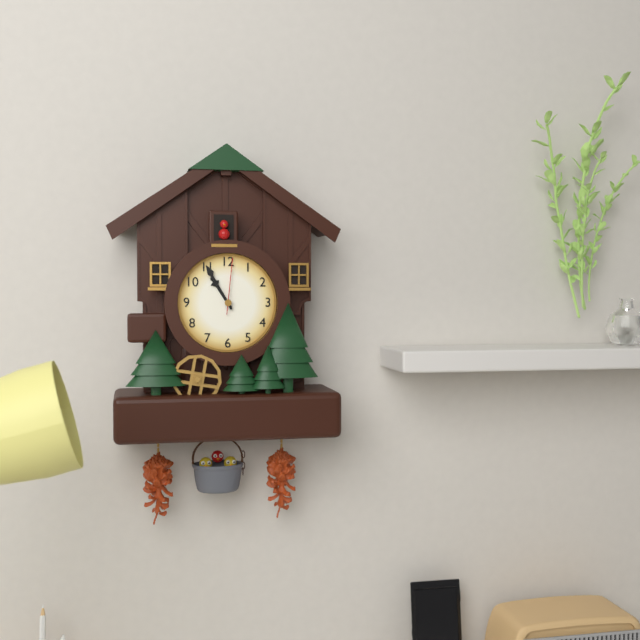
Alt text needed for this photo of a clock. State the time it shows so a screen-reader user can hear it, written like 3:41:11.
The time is 10:55:01
